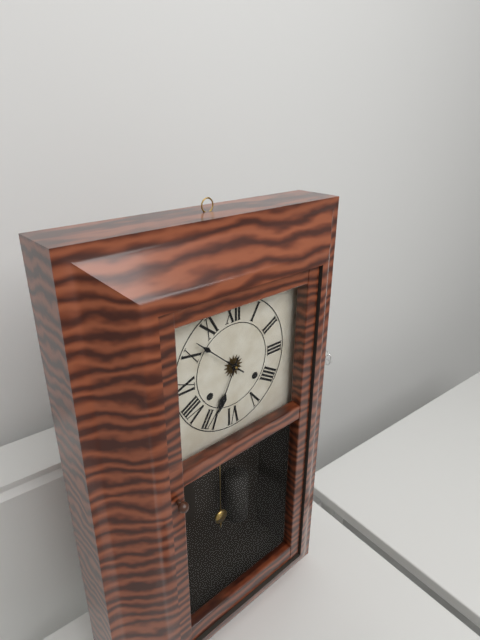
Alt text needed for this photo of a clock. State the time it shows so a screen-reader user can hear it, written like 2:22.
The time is 6:52
